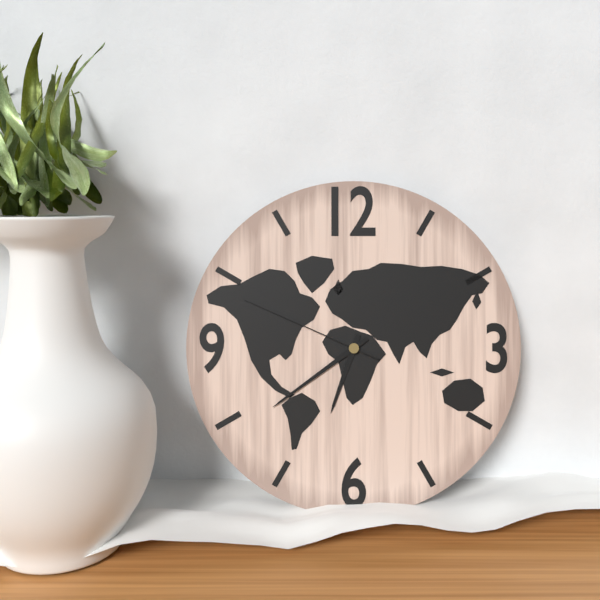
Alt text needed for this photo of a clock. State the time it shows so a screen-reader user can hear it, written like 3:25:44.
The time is 6:39:49
